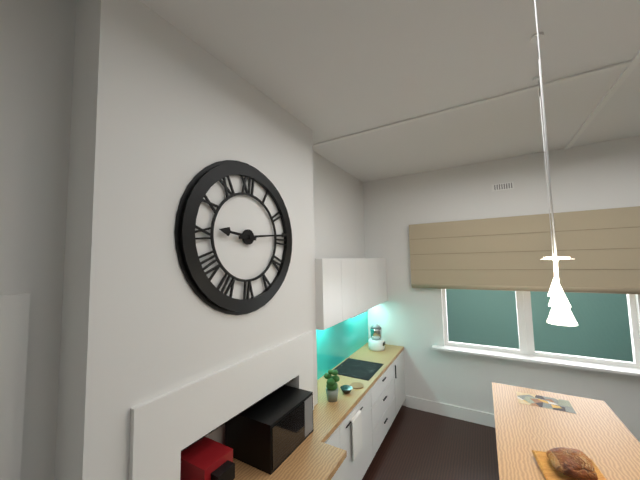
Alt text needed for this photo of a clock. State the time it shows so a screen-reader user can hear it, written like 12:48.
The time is 9:14
